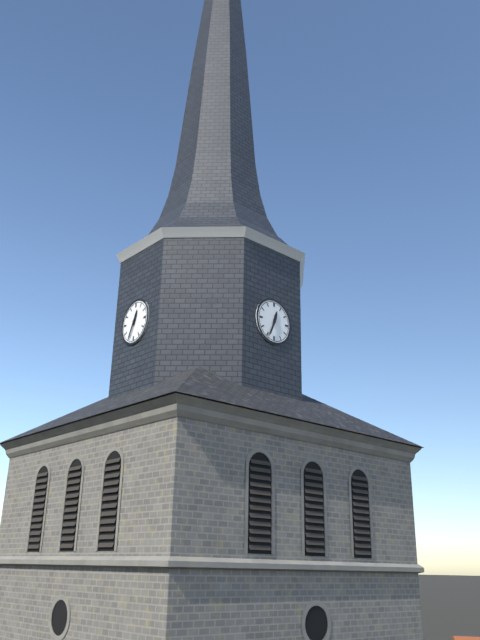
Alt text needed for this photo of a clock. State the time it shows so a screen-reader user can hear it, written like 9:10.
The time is 12:34
